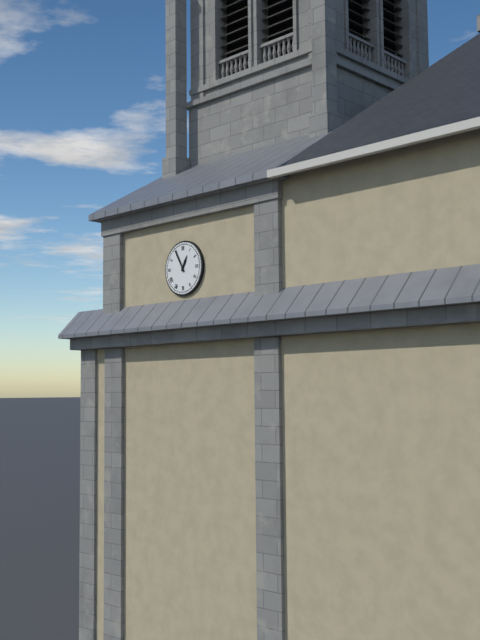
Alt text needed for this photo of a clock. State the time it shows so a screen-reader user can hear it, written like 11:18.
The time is 12:55
